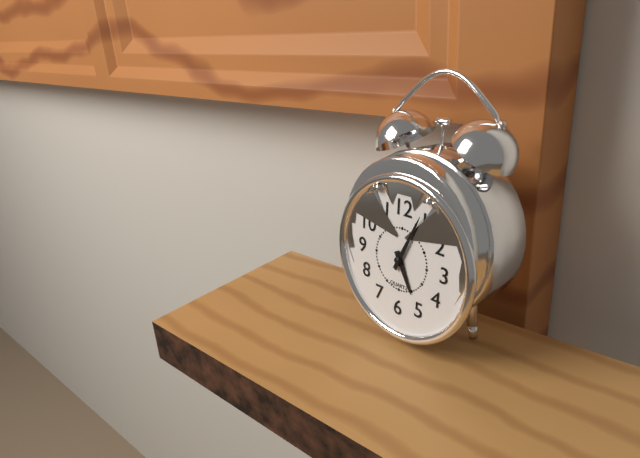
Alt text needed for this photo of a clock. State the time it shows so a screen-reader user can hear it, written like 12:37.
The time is 5:04
